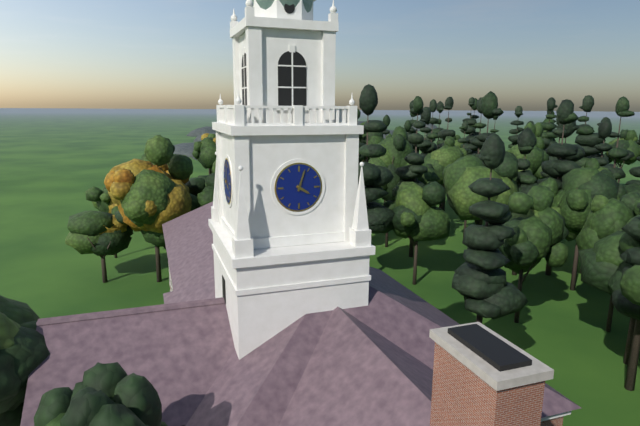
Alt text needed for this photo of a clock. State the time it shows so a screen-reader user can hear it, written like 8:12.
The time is 4:03
